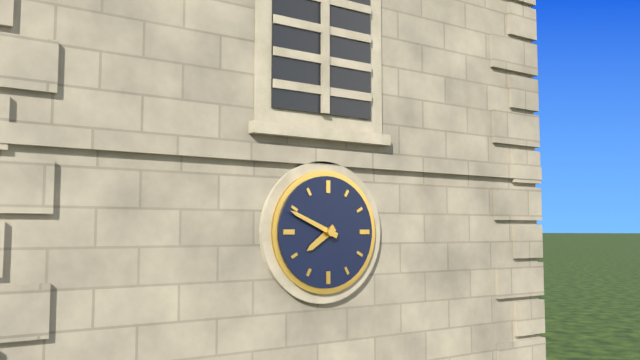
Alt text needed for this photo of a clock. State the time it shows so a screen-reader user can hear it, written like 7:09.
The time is 7:49
